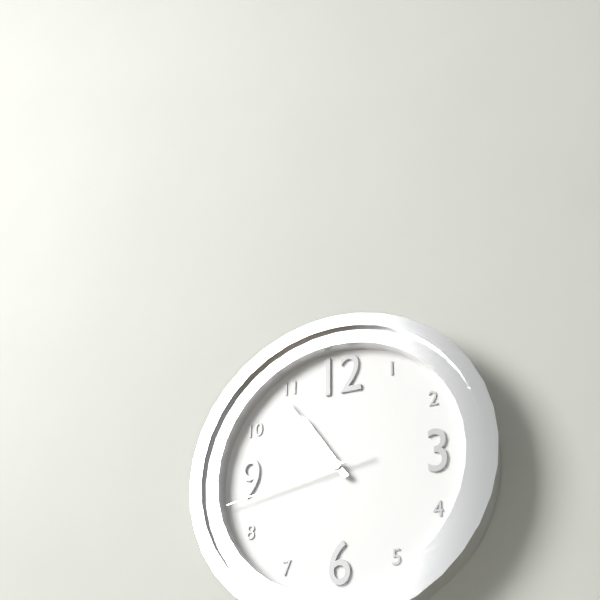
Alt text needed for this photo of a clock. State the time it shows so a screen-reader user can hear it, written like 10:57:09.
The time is 10:54:43
